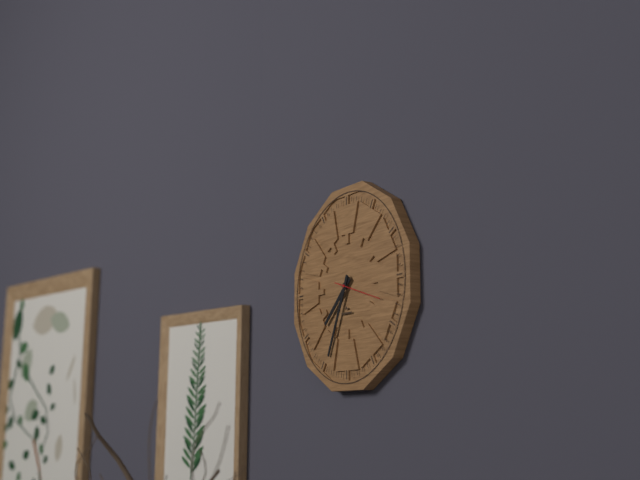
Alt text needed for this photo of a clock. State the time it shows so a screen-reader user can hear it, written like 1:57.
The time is 7:34
